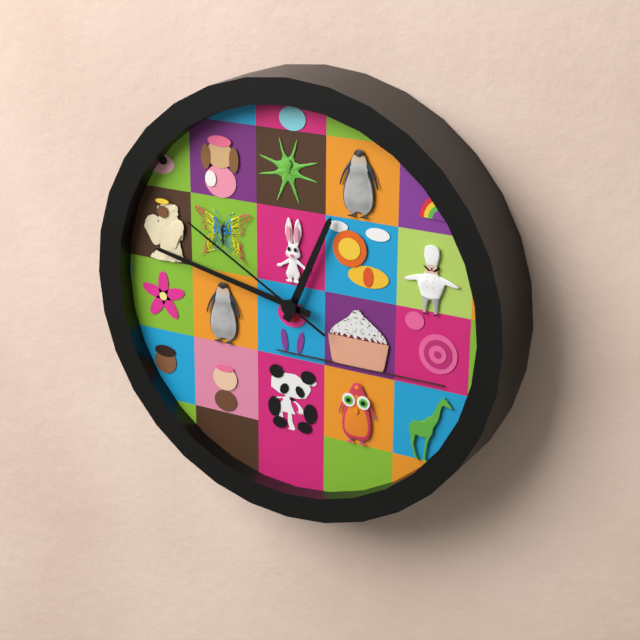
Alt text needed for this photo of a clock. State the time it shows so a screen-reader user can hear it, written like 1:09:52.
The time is 12:47:50
